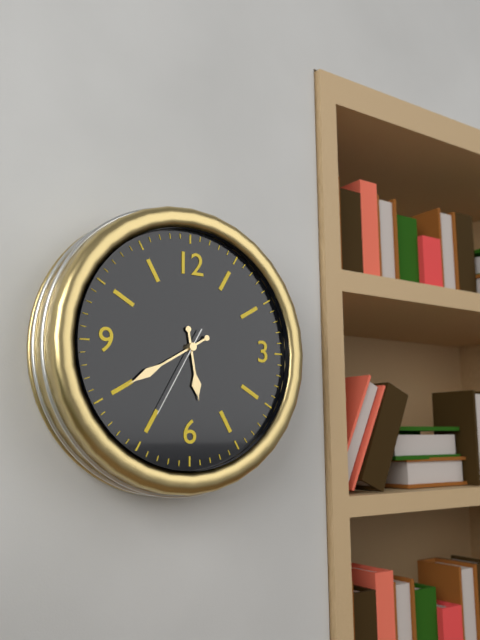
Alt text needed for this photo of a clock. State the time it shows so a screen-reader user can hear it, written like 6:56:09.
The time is 5:40:35
